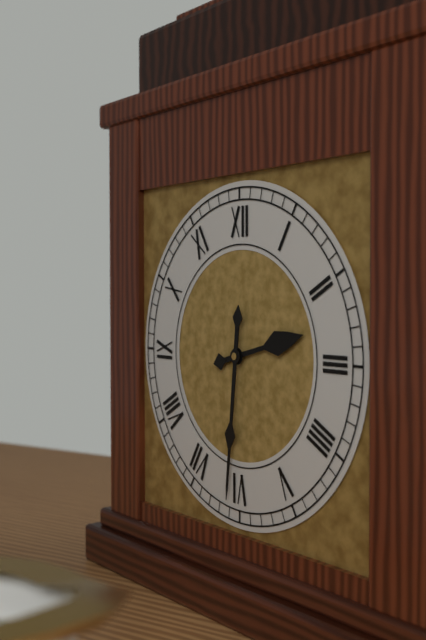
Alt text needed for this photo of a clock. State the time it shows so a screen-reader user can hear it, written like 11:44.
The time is 2:31
